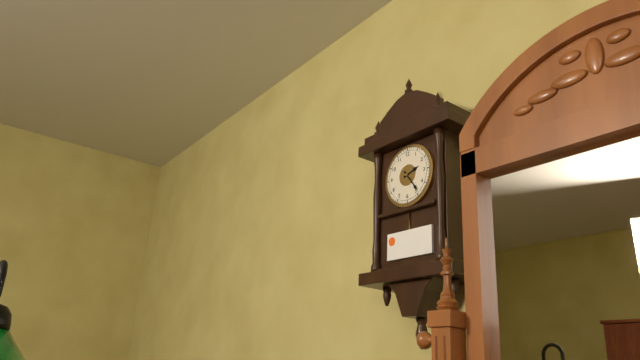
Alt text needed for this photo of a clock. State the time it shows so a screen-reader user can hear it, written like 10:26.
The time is 2:24
